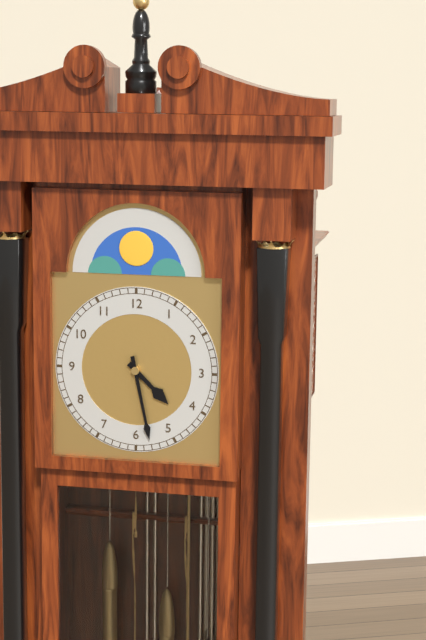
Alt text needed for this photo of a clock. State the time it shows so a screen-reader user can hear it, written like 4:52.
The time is 4:28
